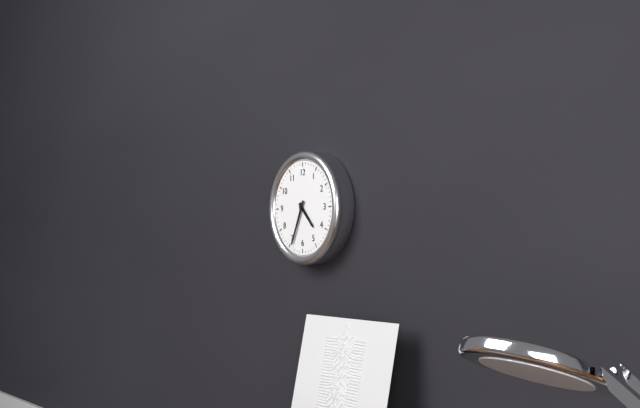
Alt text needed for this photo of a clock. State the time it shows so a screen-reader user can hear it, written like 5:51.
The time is 4:34
